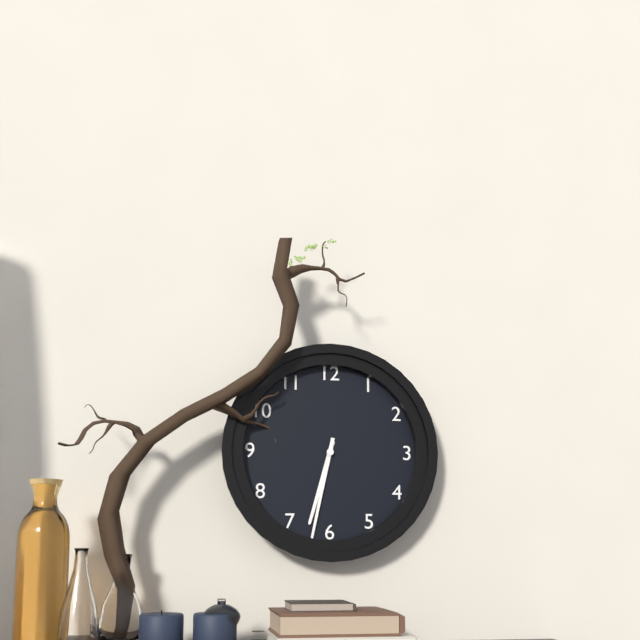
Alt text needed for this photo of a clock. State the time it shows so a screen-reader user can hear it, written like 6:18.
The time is 6:32
